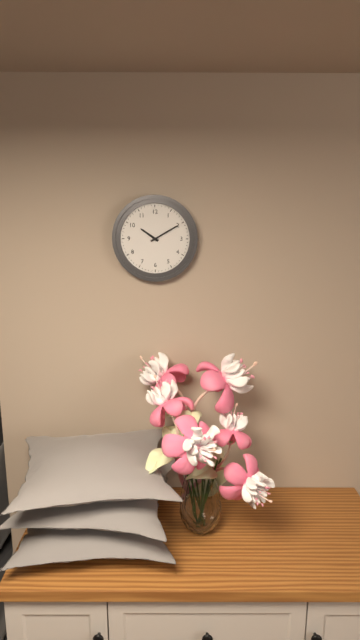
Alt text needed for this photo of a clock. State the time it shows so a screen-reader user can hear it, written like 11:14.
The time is 10:10
